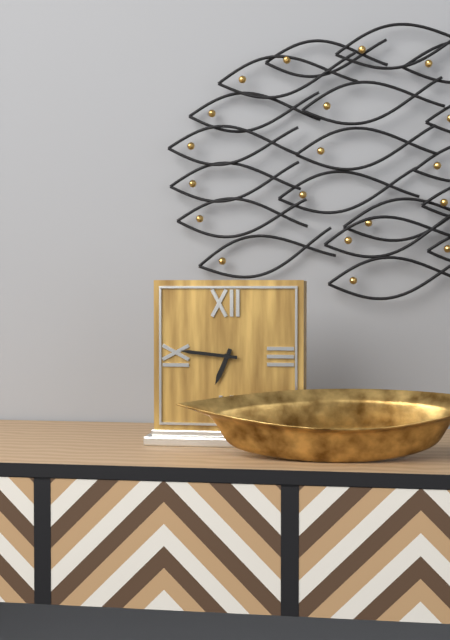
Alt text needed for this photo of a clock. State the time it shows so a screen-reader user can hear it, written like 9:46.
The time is 6:46
